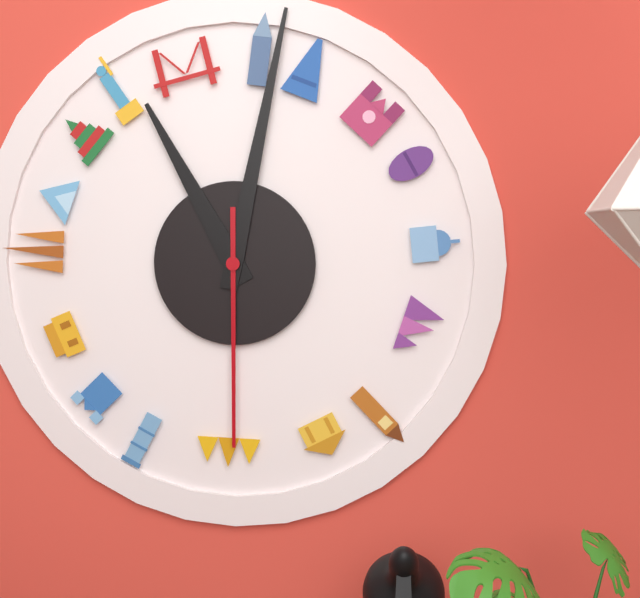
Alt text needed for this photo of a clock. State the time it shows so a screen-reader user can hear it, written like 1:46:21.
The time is 11:02:30
